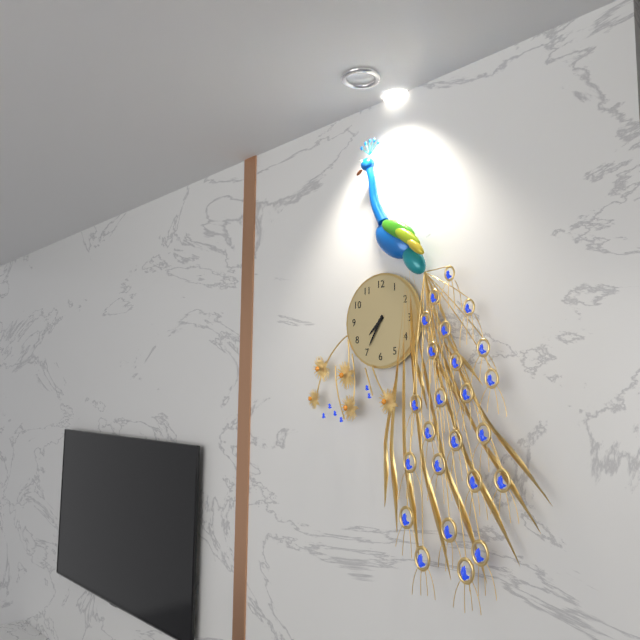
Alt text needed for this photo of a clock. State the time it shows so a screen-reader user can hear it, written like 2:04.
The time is 7:35
